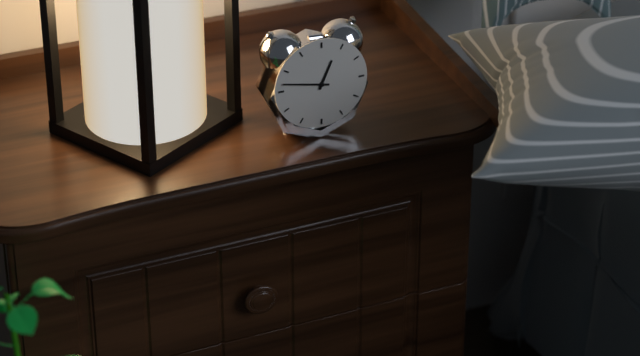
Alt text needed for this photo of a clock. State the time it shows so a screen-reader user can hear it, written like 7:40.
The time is 12:47
